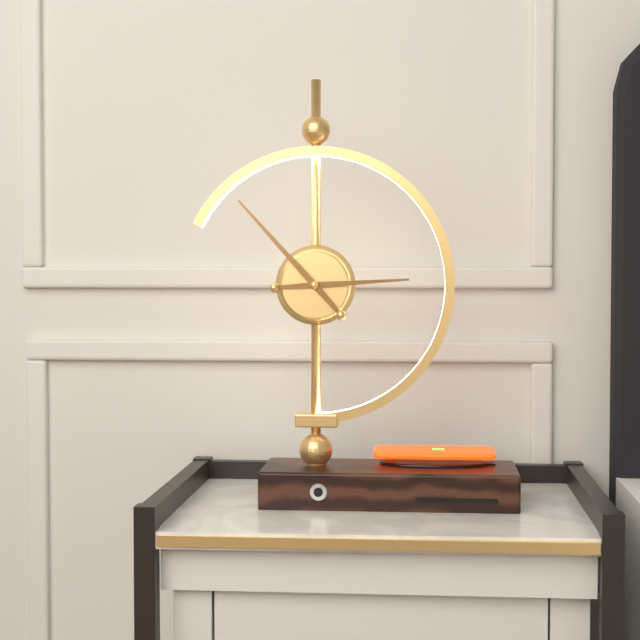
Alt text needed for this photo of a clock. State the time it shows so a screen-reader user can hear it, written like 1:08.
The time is 2:53
